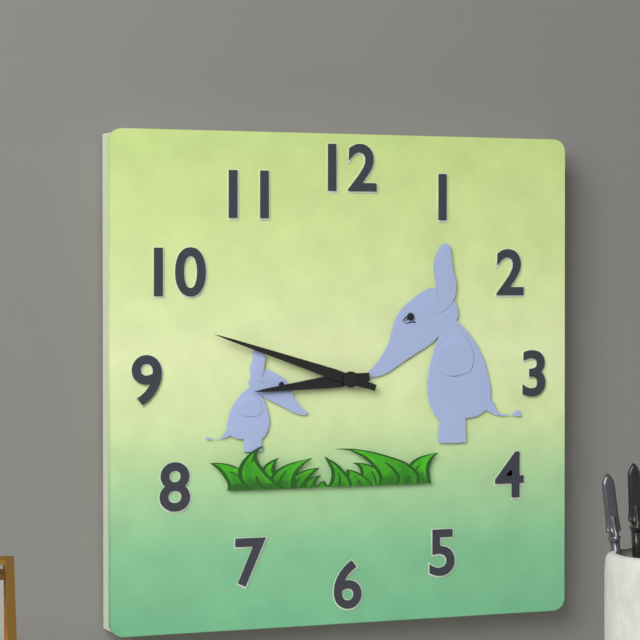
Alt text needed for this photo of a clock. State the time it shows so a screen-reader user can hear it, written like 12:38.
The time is 8:48
